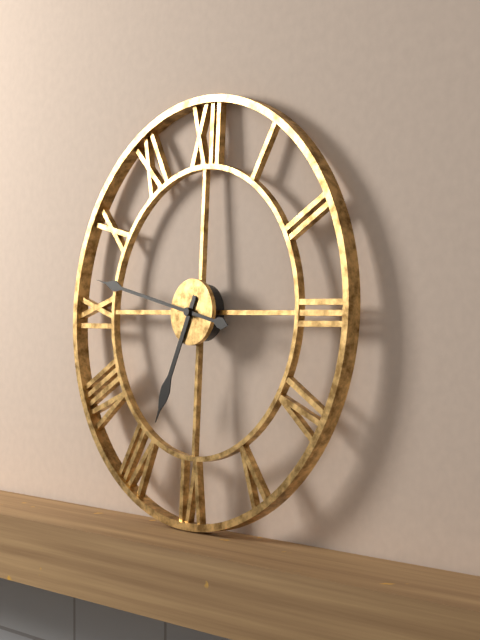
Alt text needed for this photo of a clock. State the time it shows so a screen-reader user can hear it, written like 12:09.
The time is 6:47
